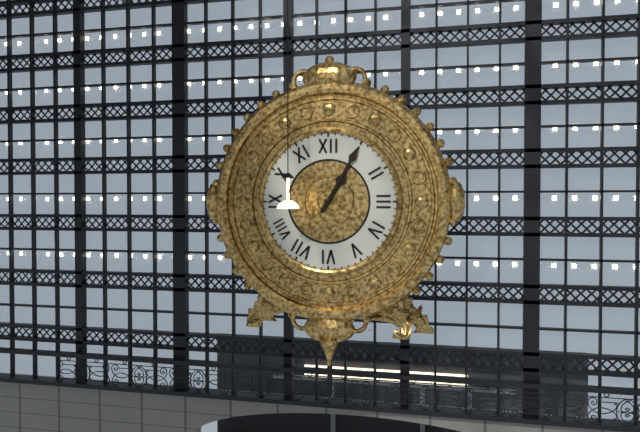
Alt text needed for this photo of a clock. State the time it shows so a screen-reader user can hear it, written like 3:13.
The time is 1:05
